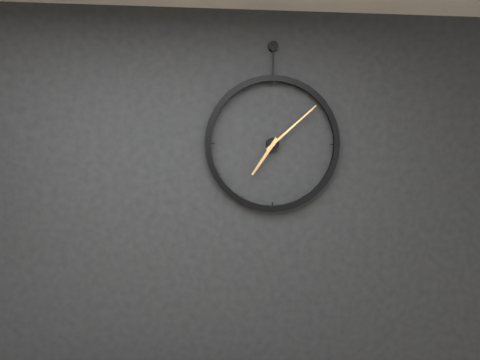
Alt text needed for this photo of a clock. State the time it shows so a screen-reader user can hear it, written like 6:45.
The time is 7:08
